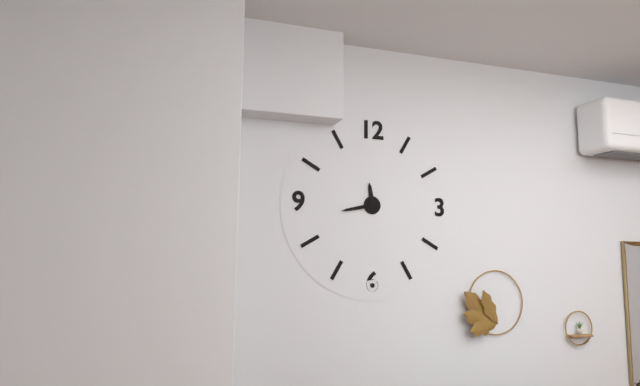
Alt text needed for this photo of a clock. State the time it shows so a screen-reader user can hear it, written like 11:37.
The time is 11:43
